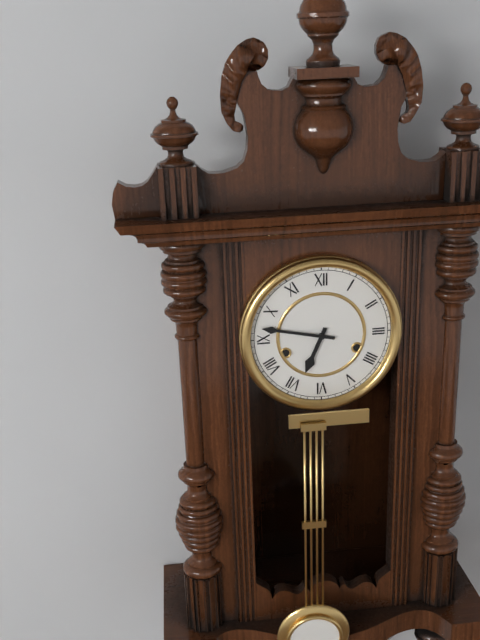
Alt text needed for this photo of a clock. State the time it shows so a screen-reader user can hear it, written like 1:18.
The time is 6:47
